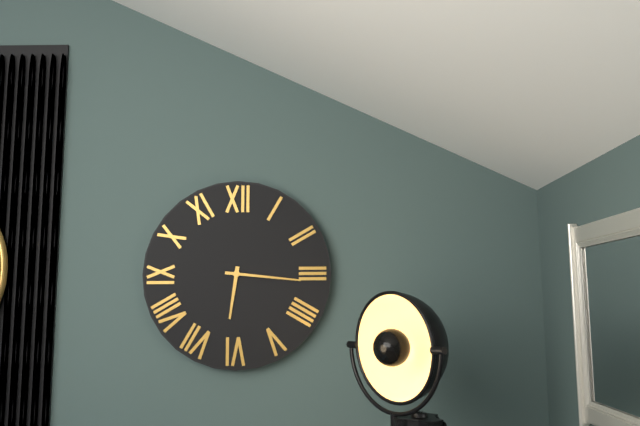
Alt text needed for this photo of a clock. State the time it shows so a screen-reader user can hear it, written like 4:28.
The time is 6:16
